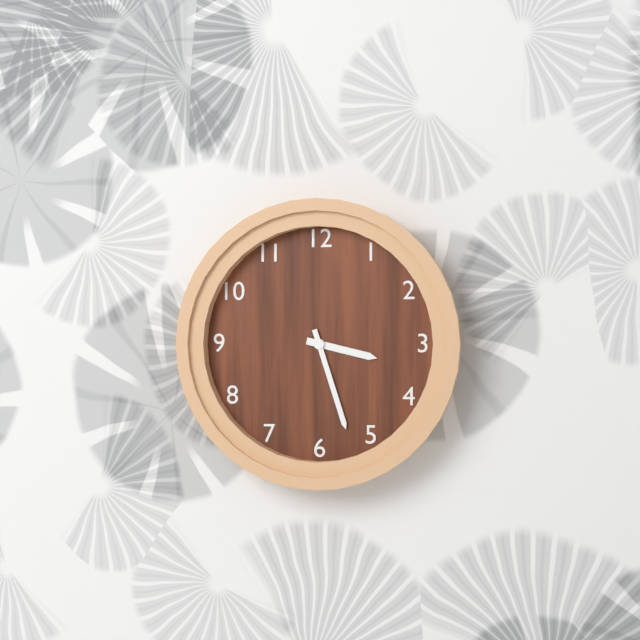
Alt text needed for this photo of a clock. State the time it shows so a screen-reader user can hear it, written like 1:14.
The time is 3:27
